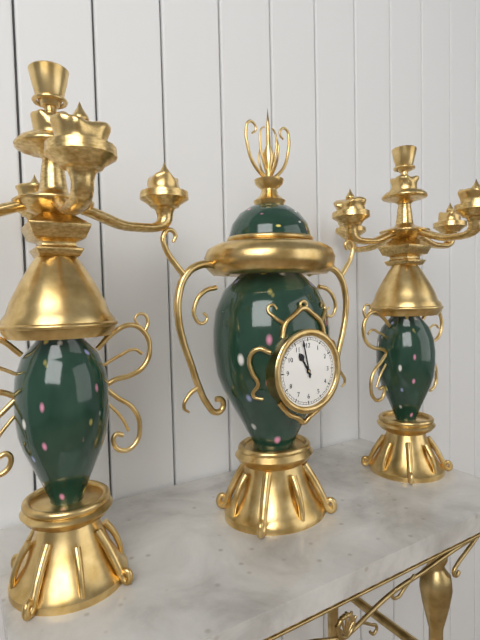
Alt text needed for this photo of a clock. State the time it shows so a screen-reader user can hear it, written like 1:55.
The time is 10:58
